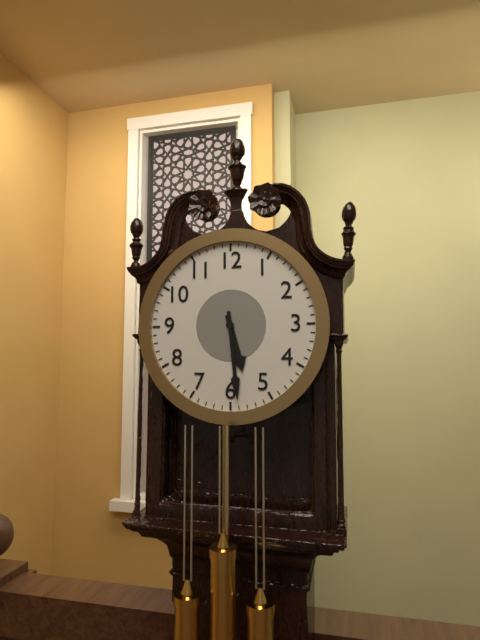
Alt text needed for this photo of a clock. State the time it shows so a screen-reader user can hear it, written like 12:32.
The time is 5:29
